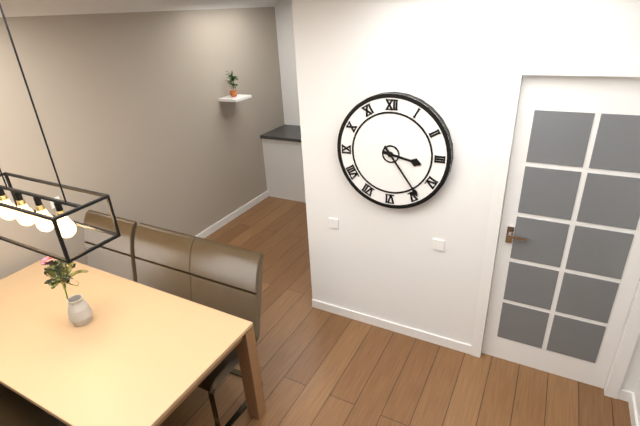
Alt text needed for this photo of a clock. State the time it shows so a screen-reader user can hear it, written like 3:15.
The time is 3:24
